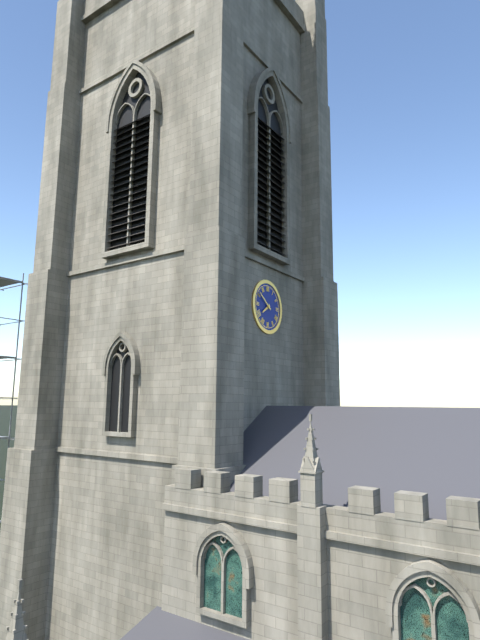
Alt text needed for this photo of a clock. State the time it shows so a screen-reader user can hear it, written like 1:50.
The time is 7:51
